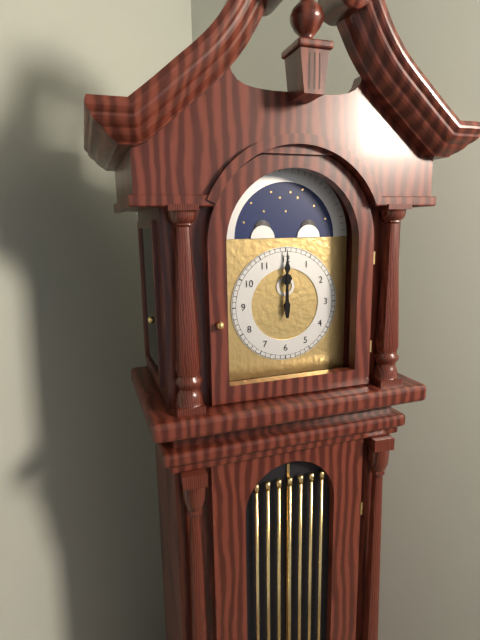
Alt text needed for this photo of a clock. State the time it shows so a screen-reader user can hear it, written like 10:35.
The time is 12:00
